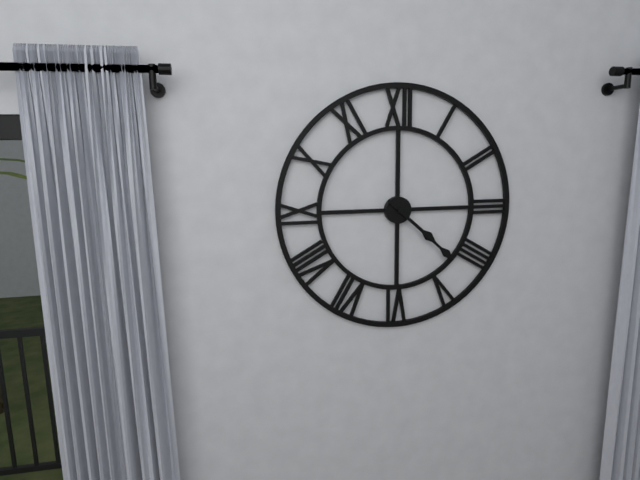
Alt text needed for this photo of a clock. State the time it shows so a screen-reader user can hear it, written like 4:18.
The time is 4:22
